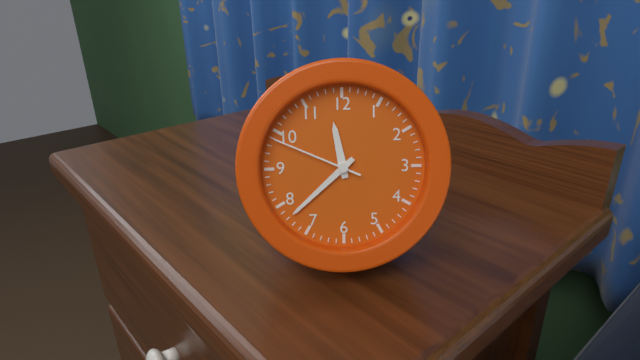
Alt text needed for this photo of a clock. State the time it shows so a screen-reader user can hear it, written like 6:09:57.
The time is 11:38:49
